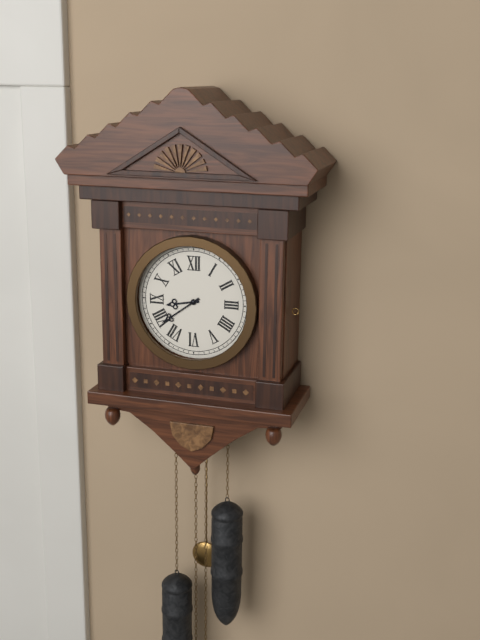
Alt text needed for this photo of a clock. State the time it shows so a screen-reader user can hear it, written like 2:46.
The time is 8:39
